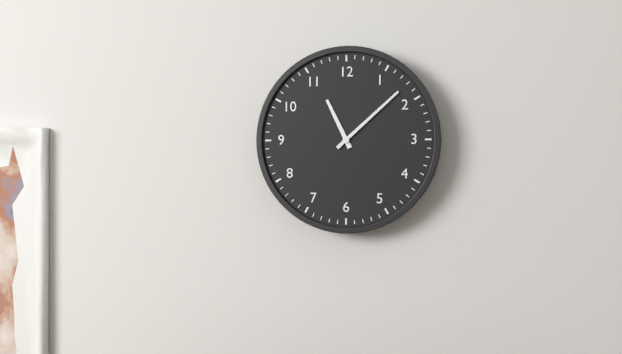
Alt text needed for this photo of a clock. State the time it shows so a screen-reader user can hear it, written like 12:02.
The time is 11:08
